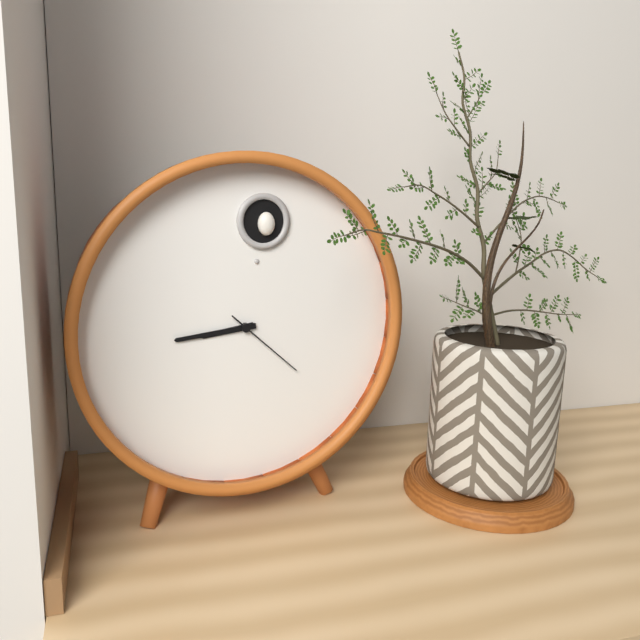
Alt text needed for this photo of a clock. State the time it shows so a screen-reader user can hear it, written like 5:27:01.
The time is 8:44:22
